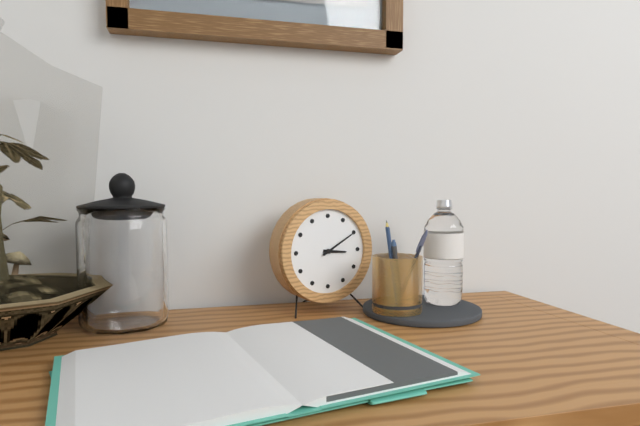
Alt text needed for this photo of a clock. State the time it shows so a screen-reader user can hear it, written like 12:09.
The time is 3:10
